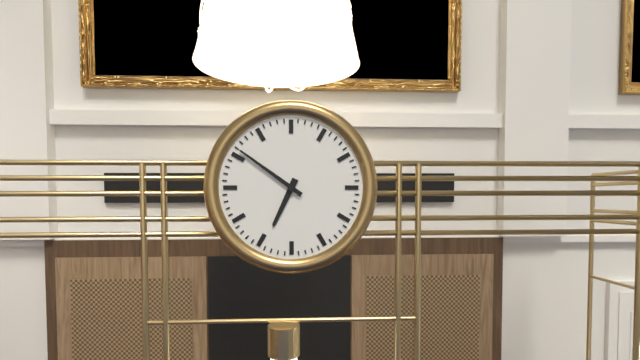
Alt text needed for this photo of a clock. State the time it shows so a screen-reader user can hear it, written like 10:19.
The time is 6:51
